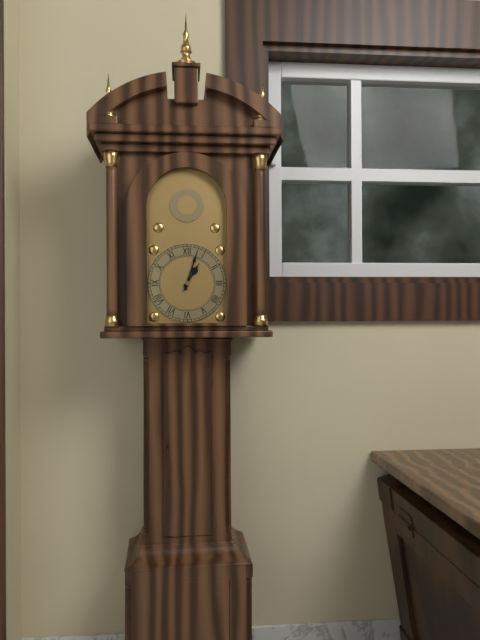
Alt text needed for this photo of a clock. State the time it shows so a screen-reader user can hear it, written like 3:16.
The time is 1:03
